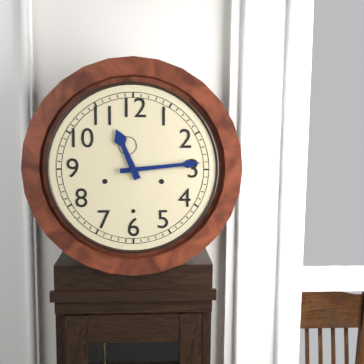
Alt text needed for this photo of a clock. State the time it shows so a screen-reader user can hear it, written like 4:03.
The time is 11:14
